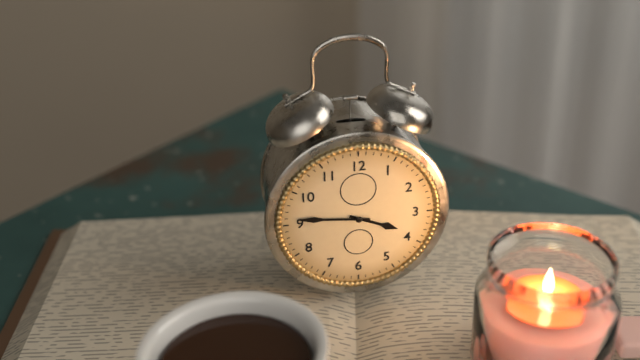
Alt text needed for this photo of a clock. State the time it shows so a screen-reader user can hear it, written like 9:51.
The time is 3:46
